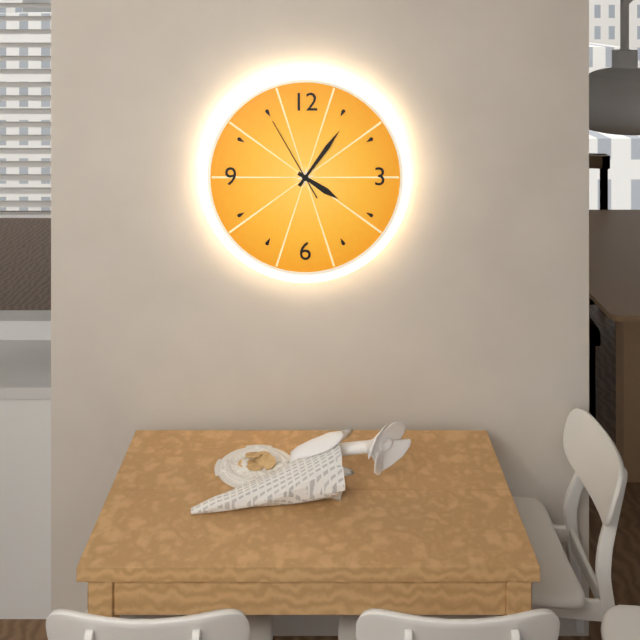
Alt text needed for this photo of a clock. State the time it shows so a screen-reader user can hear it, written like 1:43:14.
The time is 4:06:55
